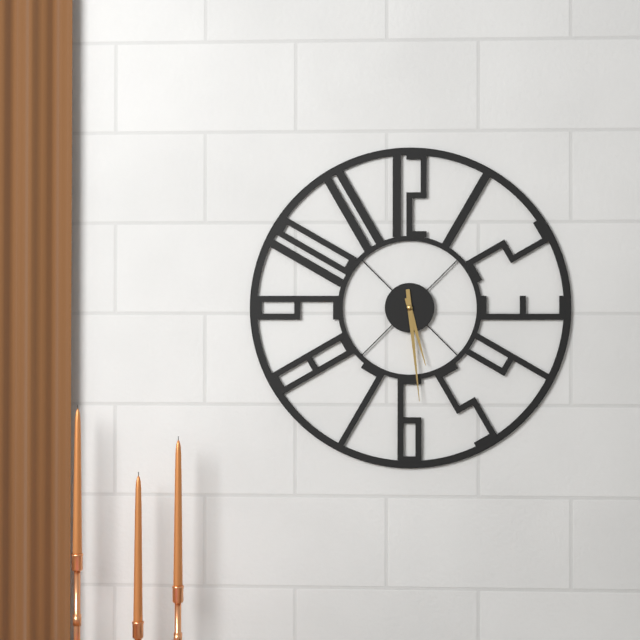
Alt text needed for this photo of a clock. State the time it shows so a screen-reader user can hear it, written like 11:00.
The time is 5:29
